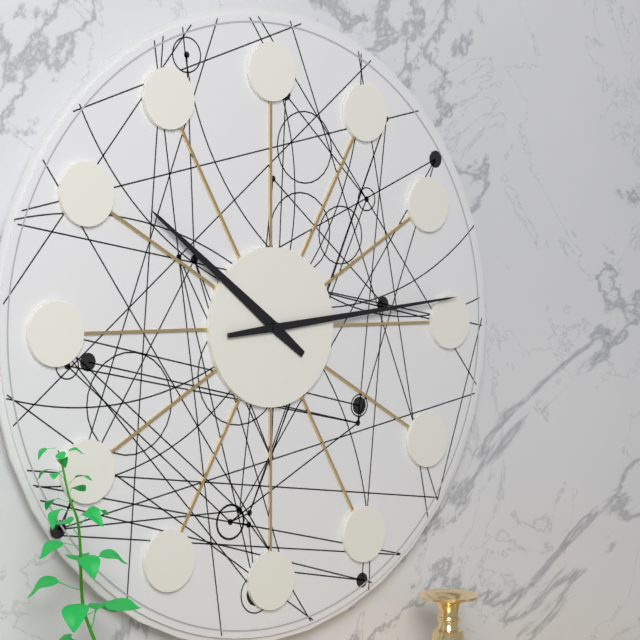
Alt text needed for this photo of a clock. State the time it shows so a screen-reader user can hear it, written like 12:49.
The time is 10:14
